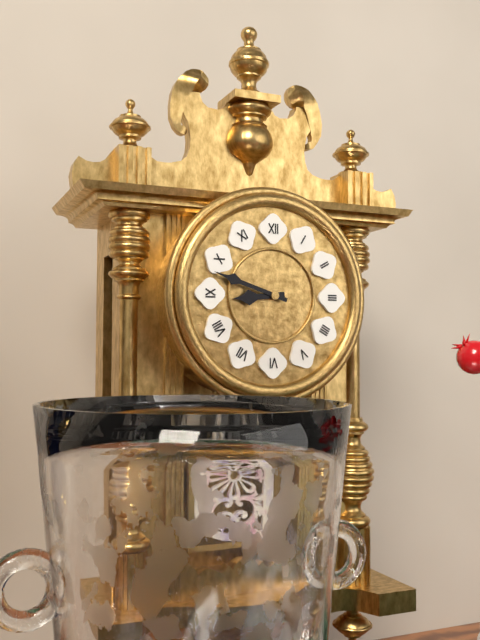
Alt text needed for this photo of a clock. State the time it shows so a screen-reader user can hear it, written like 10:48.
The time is 8:48
